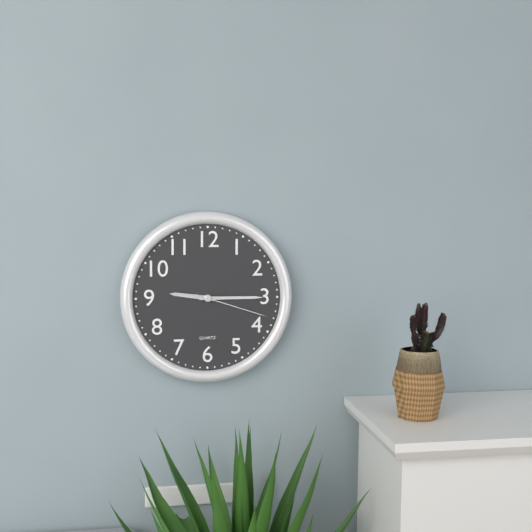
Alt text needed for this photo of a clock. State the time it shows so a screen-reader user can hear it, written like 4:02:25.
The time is 9:15:18
